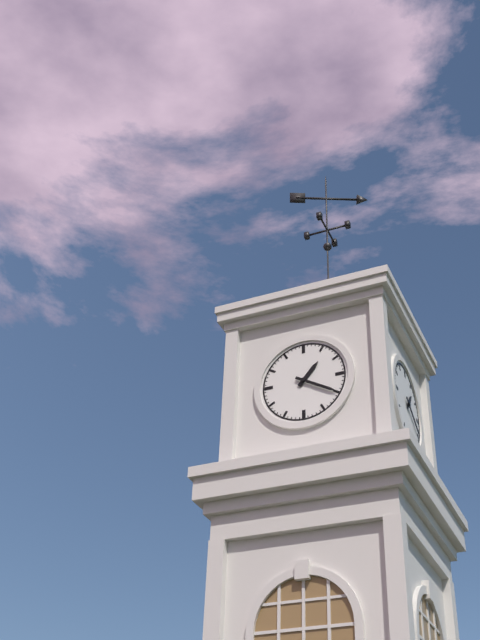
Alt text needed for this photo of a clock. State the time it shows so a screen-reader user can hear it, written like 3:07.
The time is 1:20
